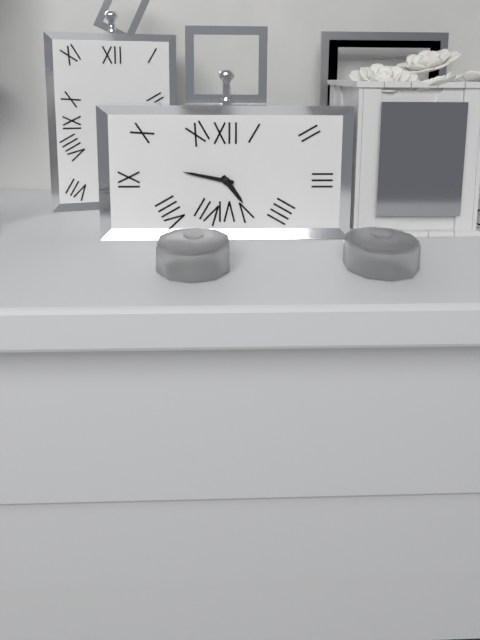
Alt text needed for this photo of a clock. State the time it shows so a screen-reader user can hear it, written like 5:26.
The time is 4:47
